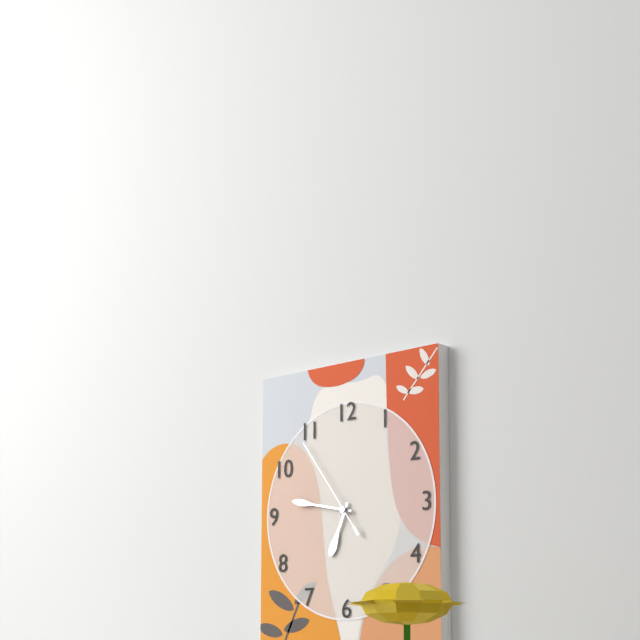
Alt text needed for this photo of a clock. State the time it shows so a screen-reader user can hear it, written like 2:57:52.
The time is 6:47:54
